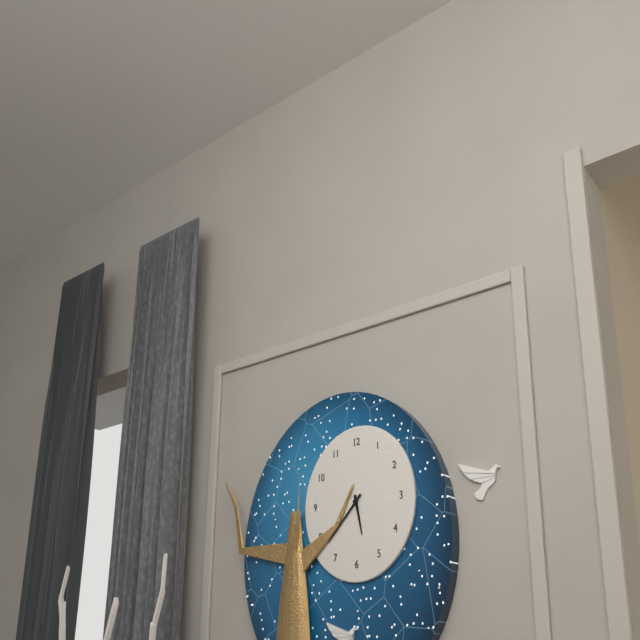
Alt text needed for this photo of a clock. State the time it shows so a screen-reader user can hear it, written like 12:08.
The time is 5:37
